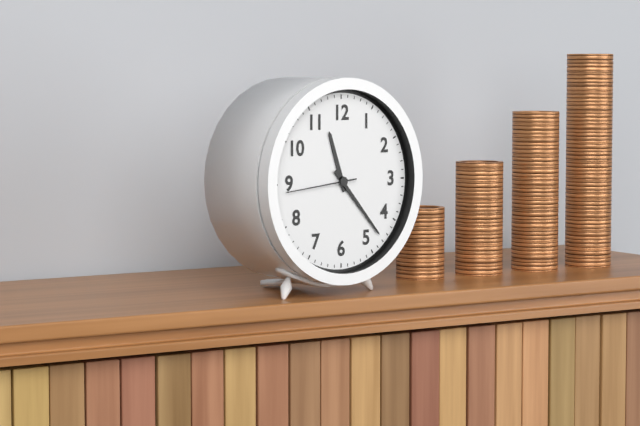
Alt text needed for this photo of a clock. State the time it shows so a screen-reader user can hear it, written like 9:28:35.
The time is 11:23:44
